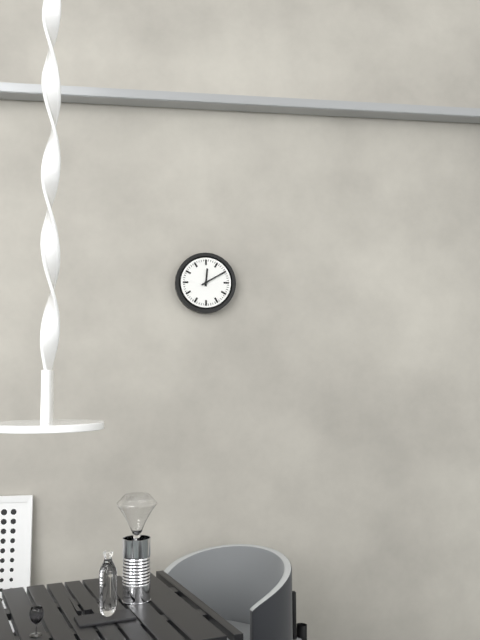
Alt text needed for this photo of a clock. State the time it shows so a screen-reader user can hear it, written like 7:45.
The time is 12:10
